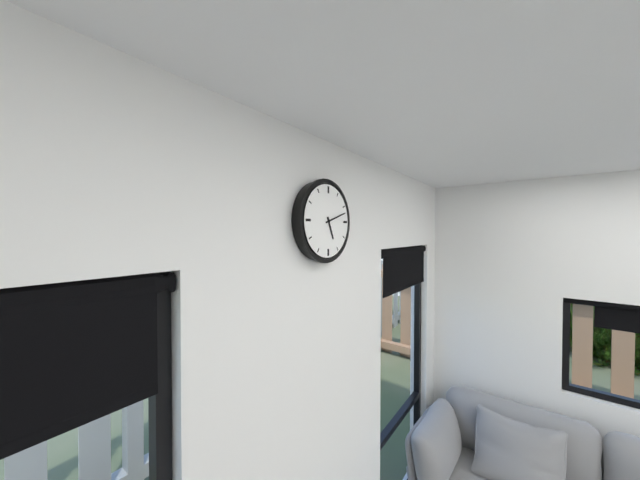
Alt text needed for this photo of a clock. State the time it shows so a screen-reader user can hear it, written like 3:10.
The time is 5:12
